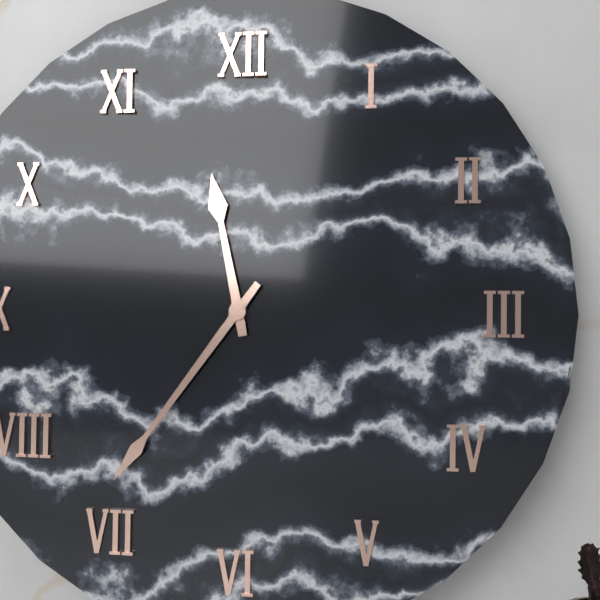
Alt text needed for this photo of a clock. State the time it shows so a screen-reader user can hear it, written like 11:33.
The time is 11:36
